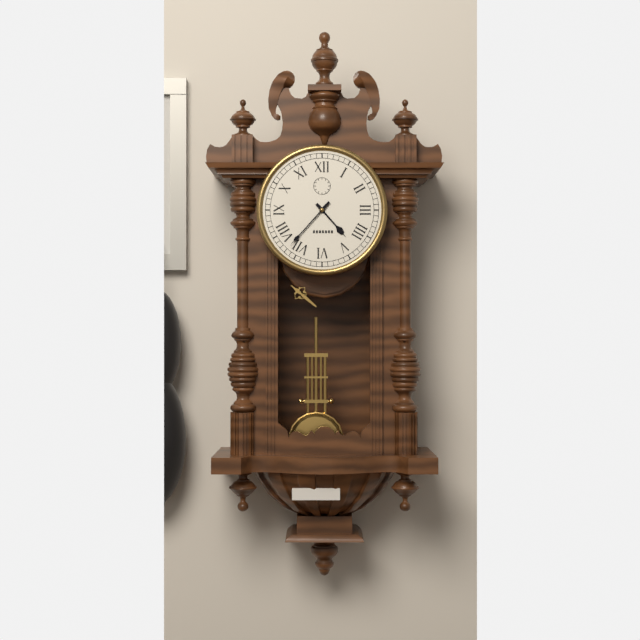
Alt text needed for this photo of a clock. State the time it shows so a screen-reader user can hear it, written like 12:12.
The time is 4:37
